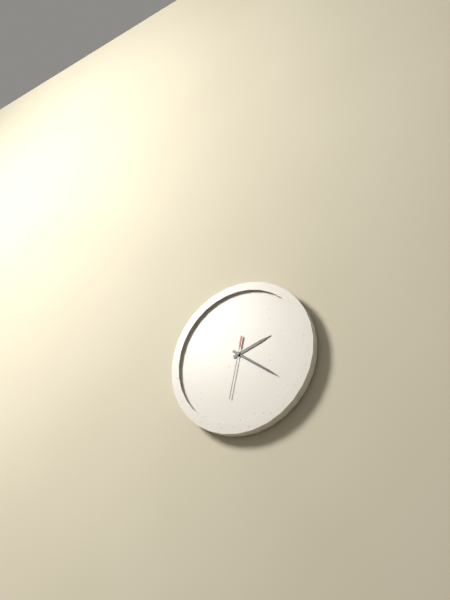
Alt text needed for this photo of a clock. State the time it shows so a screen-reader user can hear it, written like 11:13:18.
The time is 2:21:32
